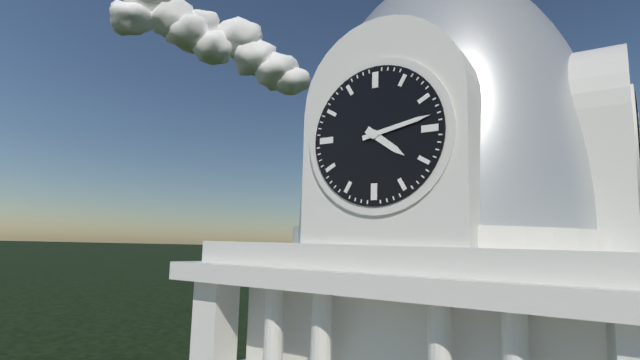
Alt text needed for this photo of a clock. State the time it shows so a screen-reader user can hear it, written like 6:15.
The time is 4:13
